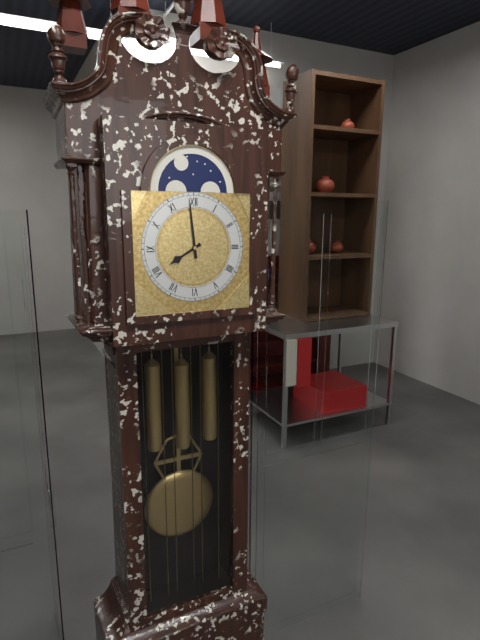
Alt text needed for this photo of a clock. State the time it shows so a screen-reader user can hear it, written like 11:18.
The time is 7:59
